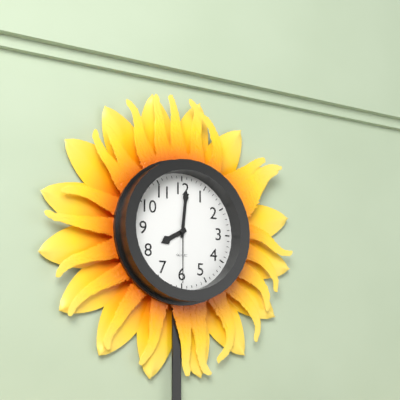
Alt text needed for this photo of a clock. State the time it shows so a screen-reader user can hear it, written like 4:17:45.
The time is 8:01:30
